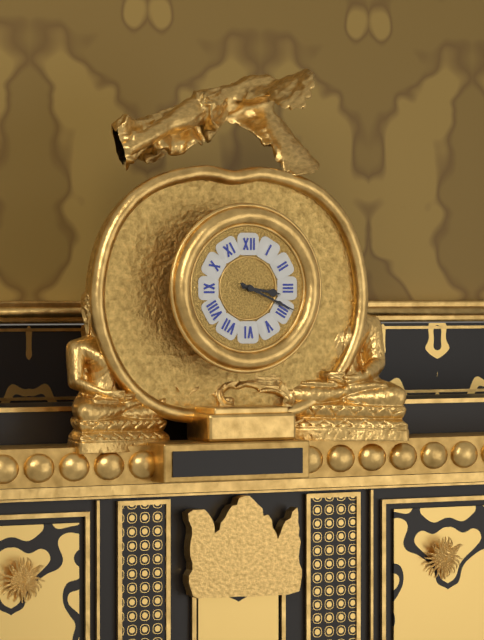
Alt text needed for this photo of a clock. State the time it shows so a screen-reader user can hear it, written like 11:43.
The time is 3:19
